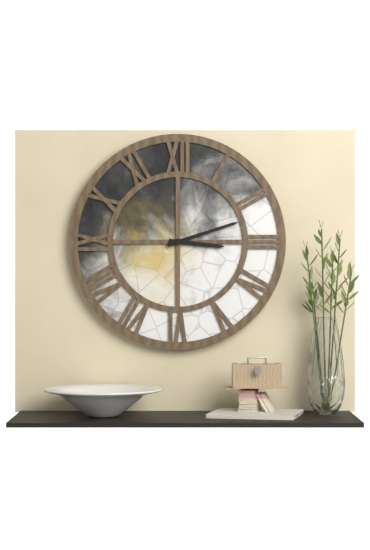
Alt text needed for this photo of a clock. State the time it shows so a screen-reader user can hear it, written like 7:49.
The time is 3:12
